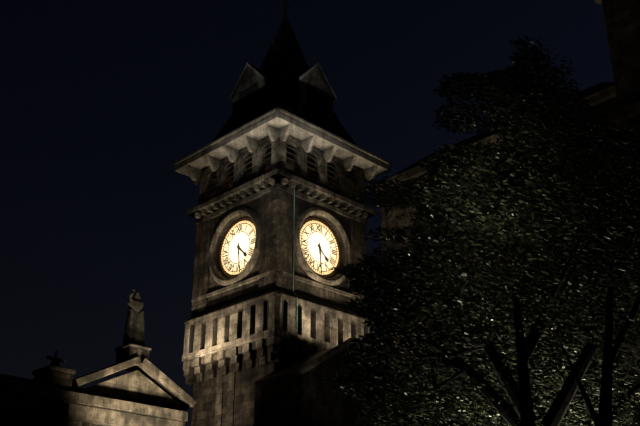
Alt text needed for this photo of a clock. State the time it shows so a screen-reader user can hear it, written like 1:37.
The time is 4:29
